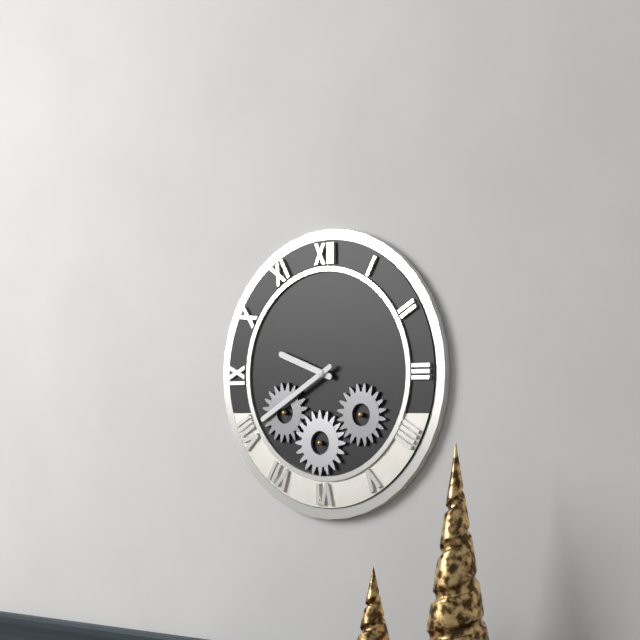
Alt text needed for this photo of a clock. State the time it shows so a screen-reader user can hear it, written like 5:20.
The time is 9:40
